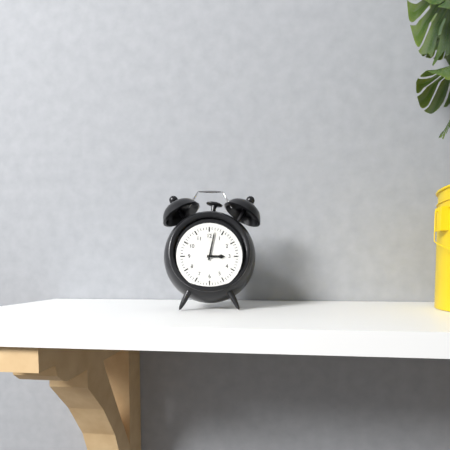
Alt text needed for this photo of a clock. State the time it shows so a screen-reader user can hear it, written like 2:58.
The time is 3:02
